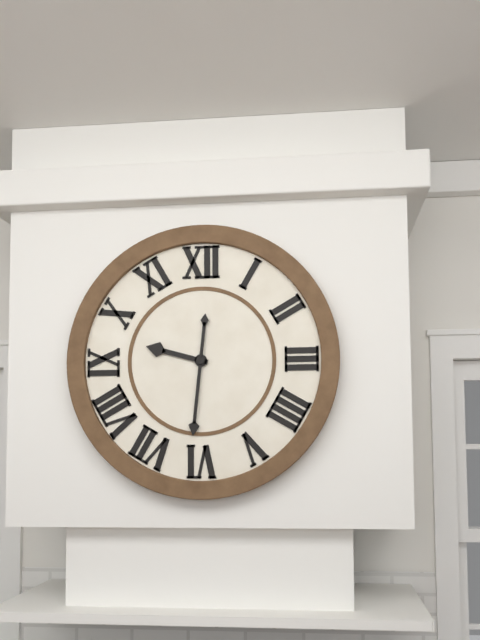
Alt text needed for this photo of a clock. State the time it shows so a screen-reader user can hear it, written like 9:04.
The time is 9:31
